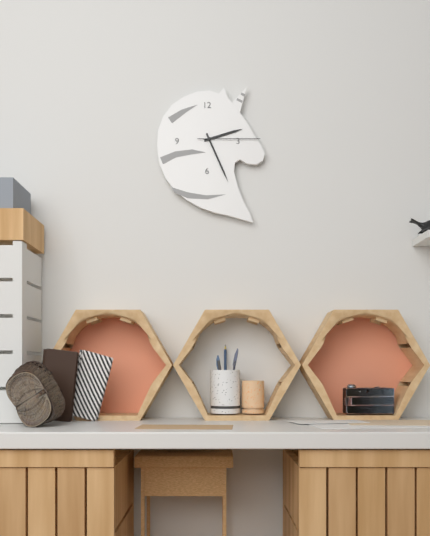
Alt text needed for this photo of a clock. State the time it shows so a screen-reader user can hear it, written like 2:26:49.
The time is 2:26:15
